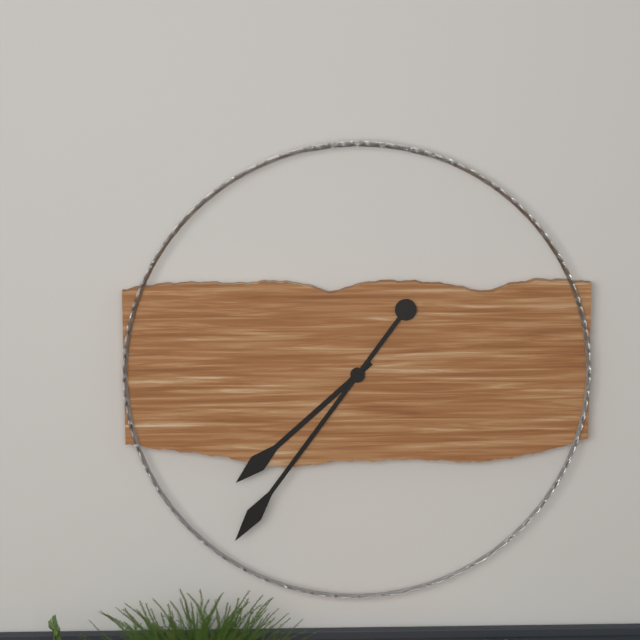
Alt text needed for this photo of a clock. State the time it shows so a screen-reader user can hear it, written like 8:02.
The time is 7:36
